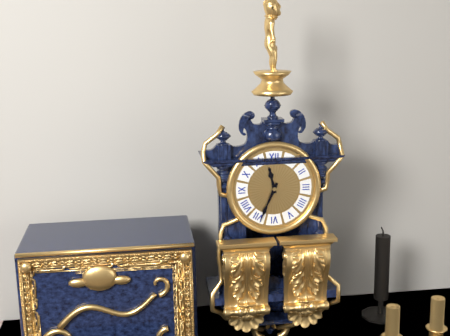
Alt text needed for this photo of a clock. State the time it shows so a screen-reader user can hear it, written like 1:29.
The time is 11:34
